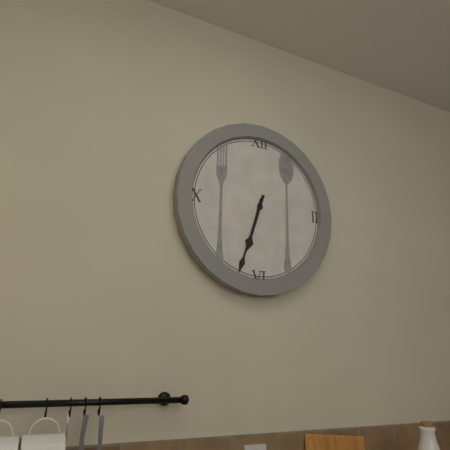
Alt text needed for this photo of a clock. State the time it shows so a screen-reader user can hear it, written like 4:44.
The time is 6:33
